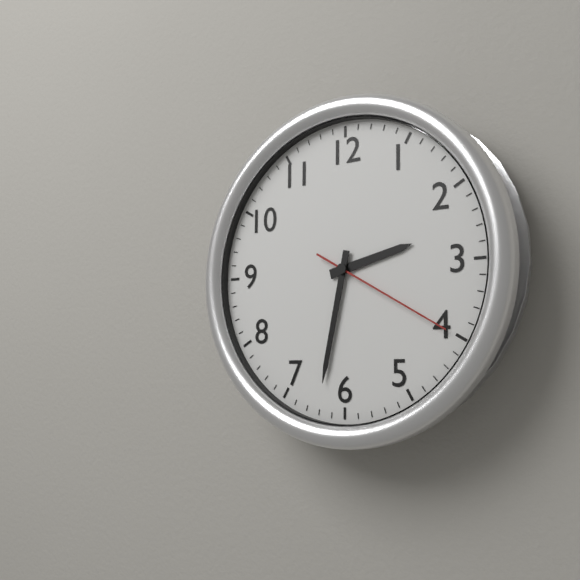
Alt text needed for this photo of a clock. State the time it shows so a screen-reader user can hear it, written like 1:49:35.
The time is 2:32:20
